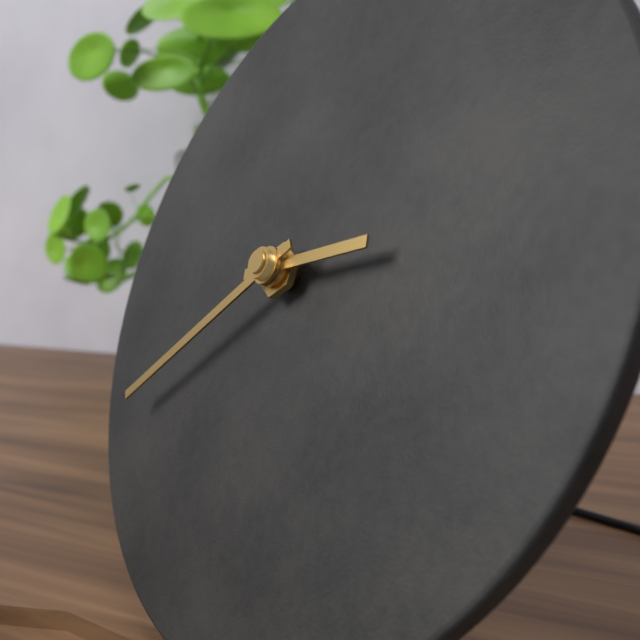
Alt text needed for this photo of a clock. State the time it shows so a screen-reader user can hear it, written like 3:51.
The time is 2:39
